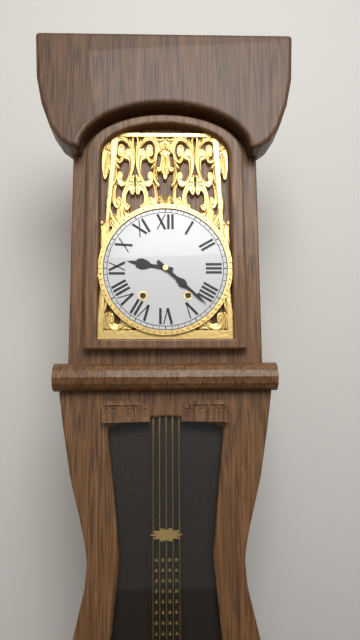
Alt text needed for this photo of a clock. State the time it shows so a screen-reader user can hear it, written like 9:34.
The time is 9:22
